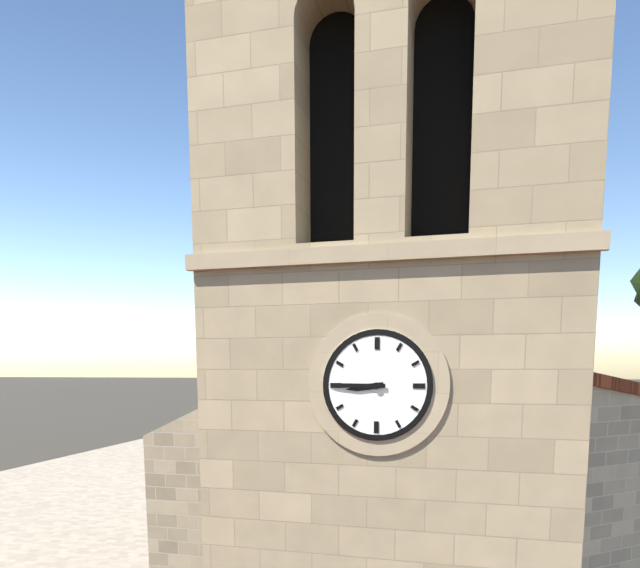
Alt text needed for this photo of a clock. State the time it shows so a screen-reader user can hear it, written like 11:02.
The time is 8:45
